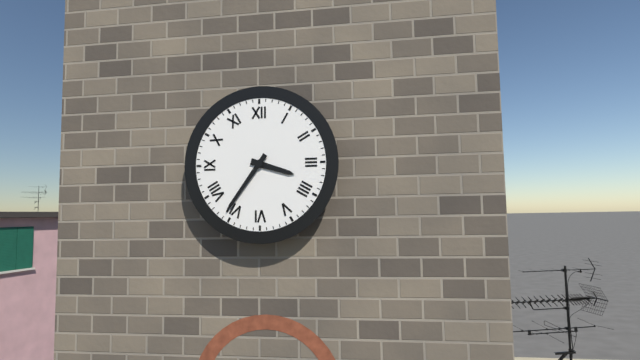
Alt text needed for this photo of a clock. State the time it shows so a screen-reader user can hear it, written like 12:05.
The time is 3:36
